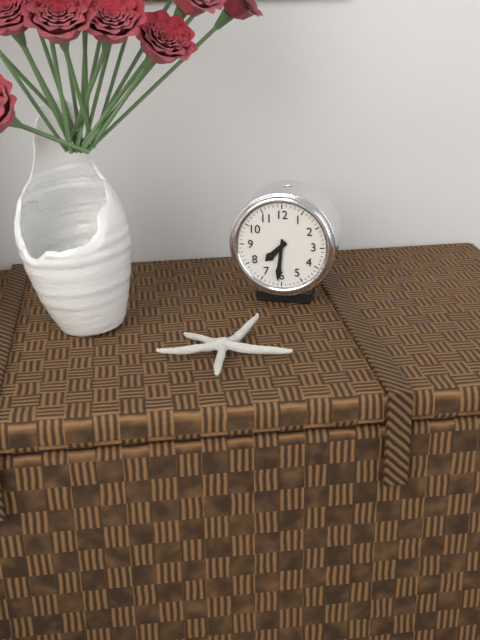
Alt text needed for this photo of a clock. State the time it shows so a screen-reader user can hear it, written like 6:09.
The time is 7:31
